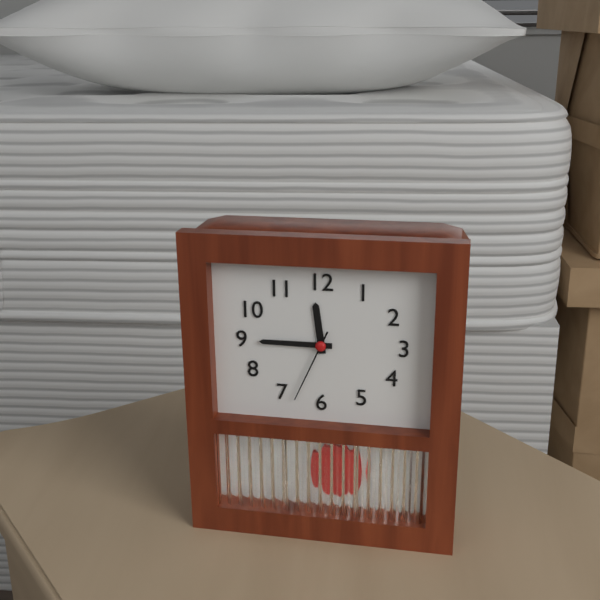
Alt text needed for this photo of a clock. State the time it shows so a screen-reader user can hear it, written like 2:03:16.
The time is 11:45:34
